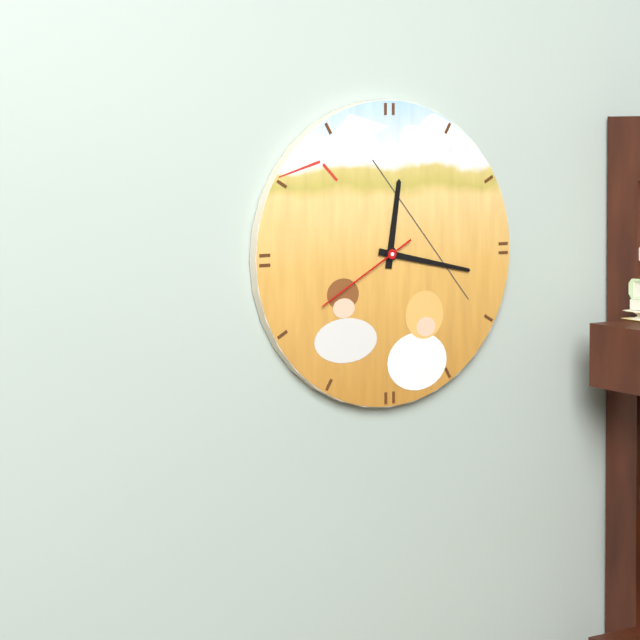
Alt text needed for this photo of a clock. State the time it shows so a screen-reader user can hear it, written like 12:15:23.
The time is 12:17:40
